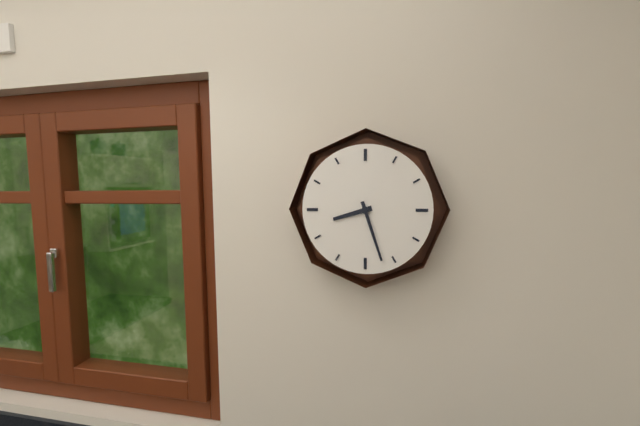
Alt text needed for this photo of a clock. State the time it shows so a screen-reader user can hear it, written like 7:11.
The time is 8:27
